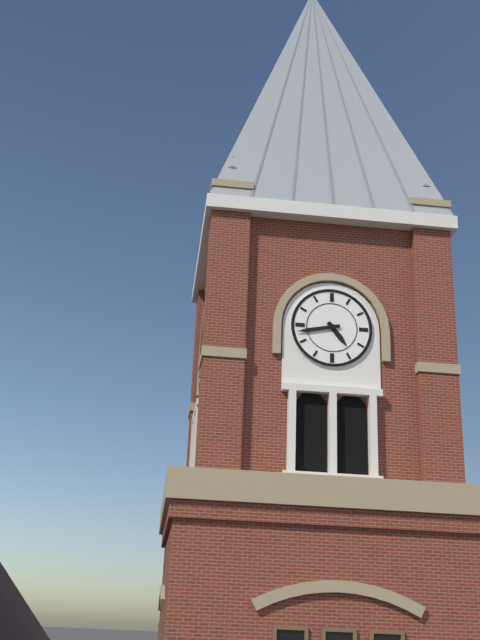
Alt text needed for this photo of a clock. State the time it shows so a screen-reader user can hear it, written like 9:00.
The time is 4:43
